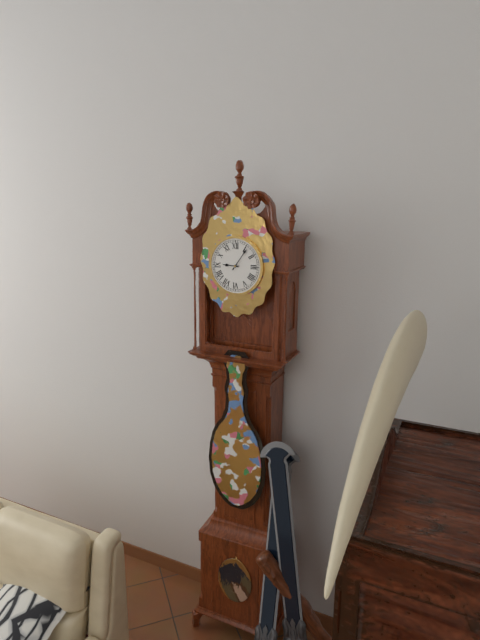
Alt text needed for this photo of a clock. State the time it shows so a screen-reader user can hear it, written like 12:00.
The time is 9:06
